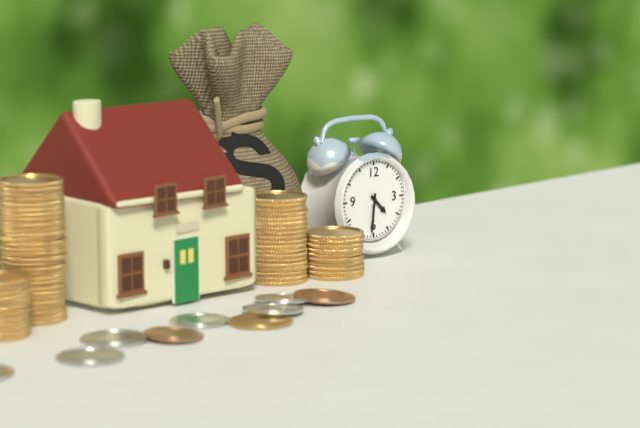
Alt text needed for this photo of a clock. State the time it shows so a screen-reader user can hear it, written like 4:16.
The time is 4:31
